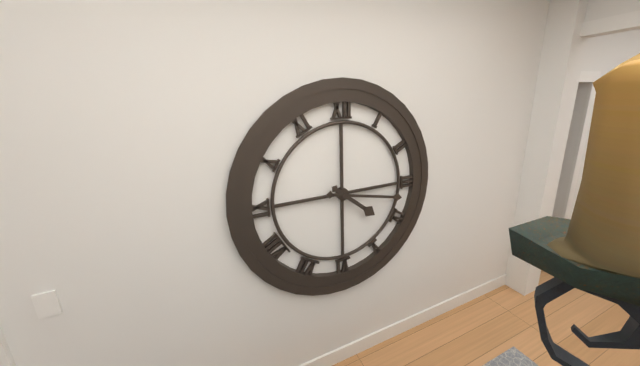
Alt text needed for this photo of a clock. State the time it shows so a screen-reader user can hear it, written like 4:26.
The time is 4:17
